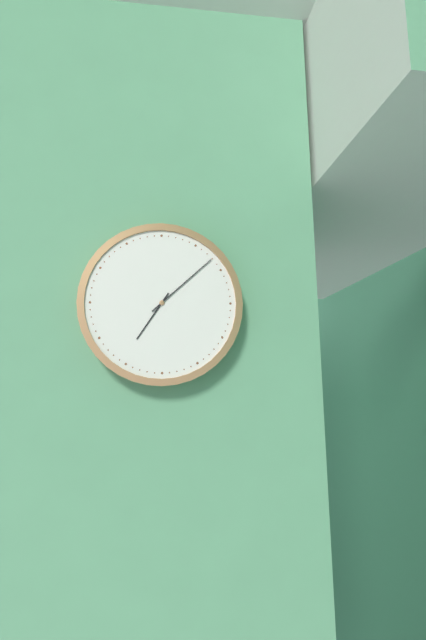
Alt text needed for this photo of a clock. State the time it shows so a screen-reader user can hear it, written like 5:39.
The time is 7:08
